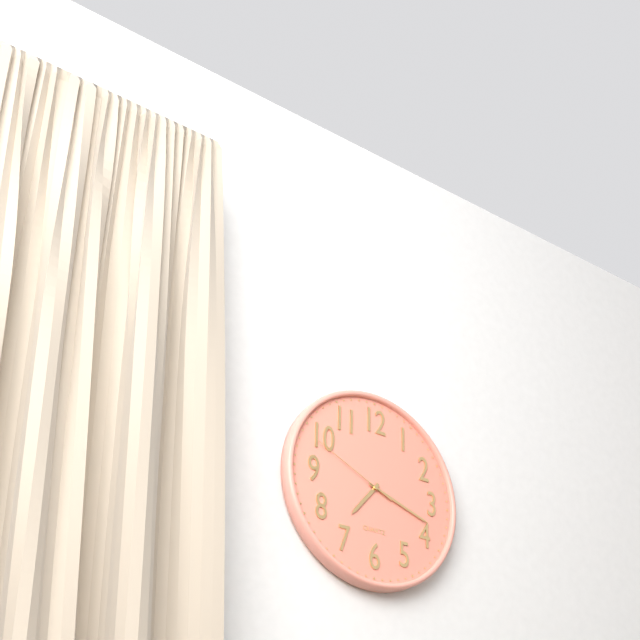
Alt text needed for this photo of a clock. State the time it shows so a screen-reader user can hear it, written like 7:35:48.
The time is 7:18:49
